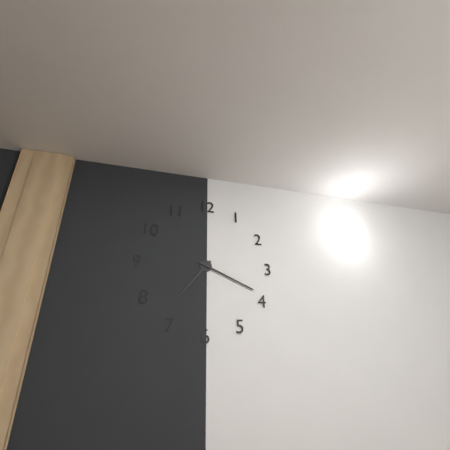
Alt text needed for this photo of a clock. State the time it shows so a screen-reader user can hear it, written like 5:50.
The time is 7:19
